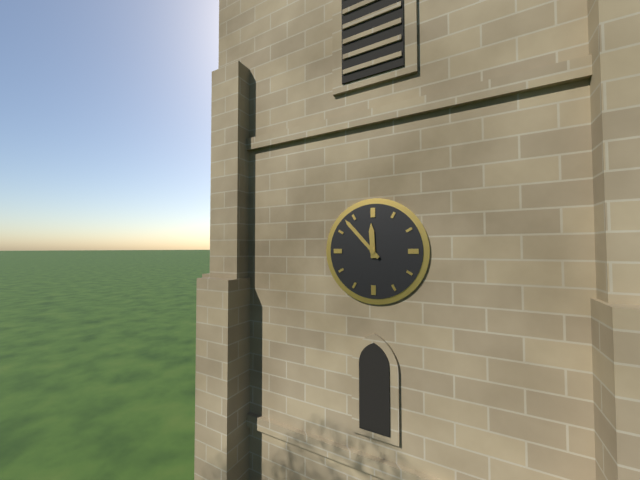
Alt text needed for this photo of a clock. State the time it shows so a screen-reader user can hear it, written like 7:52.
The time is 11:53
